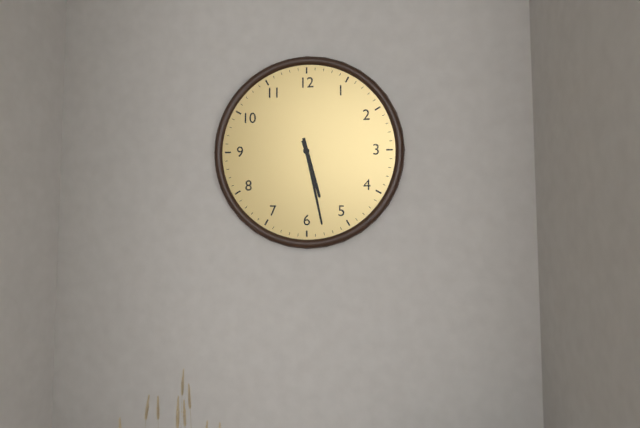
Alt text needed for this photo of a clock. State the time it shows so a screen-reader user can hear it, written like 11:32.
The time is 5:28
